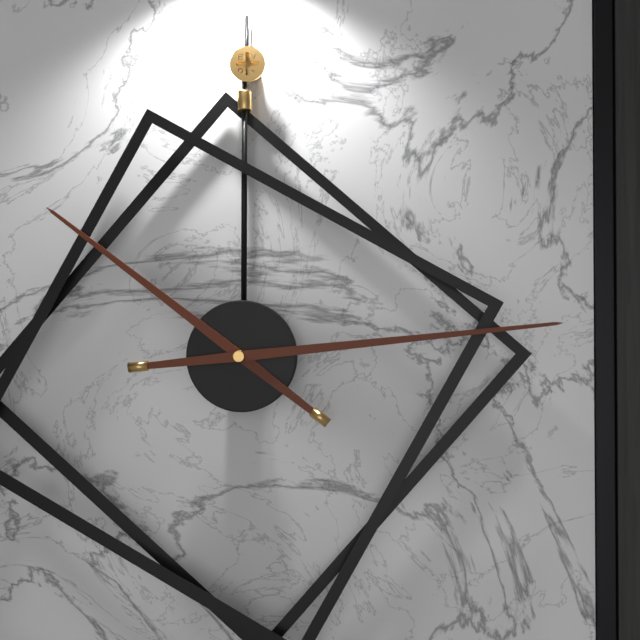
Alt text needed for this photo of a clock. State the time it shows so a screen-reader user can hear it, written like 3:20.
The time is 10:14
